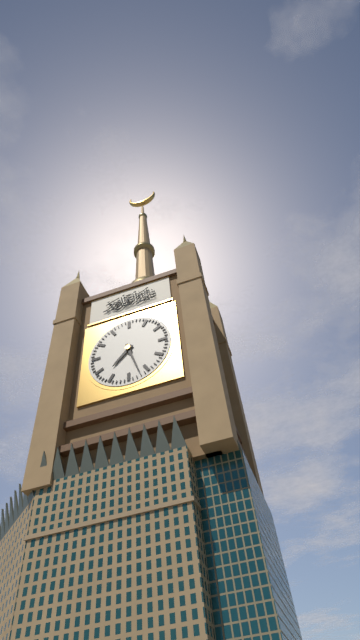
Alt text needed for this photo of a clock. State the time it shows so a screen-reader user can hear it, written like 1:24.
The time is 7:27
